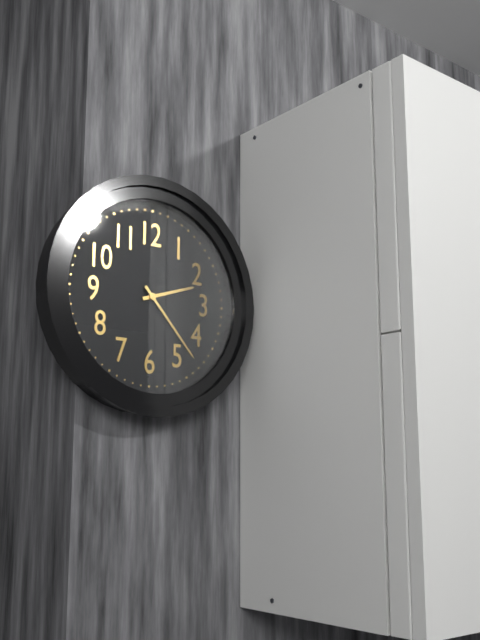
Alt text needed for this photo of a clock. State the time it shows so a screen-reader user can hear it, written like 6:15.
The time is 2:23
